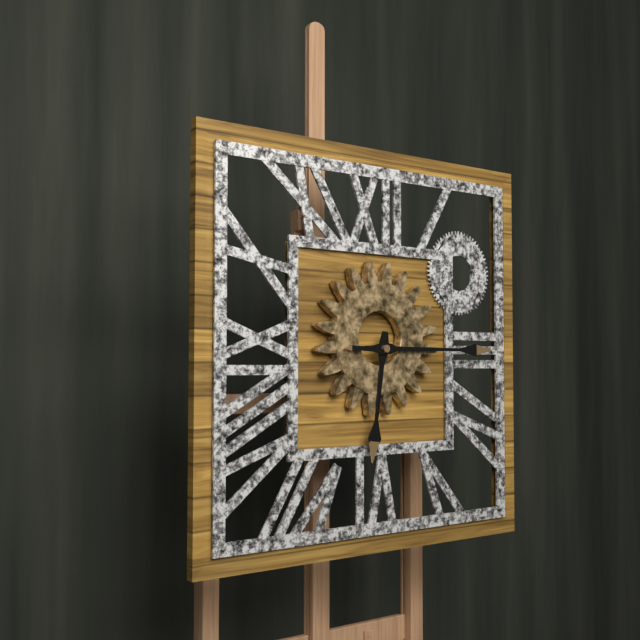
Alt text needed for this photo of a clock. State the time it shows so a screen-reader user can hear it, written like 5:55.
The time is 6:15
